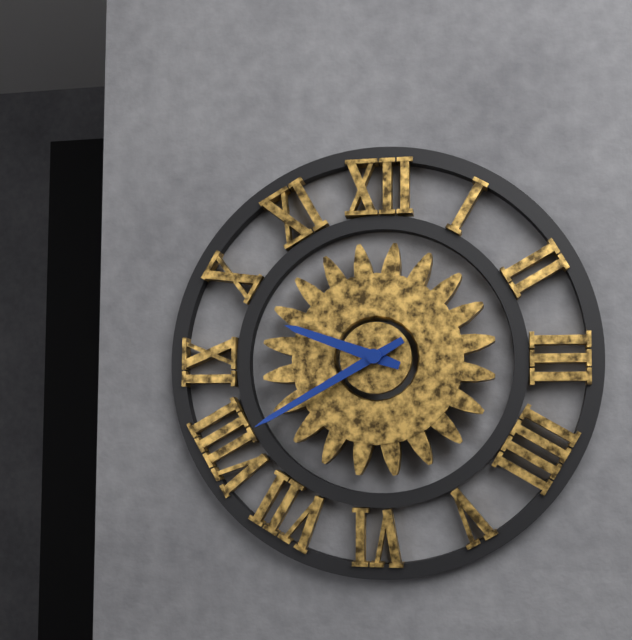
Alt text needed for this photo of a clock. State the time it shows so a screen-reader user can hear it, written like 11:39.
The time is 9:40
